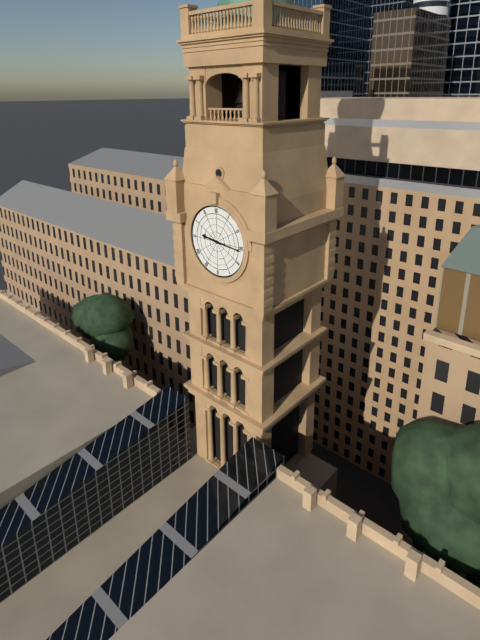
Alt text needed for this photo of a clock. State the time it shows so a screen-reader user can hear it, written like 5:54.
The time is 9:16
